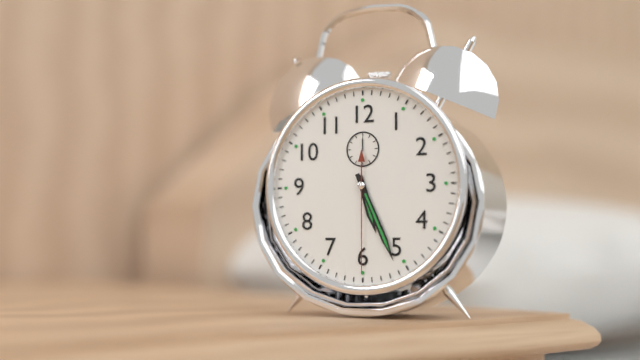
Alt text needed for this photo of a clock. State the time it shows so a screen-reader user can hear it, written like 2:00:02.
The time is 5:26:30
